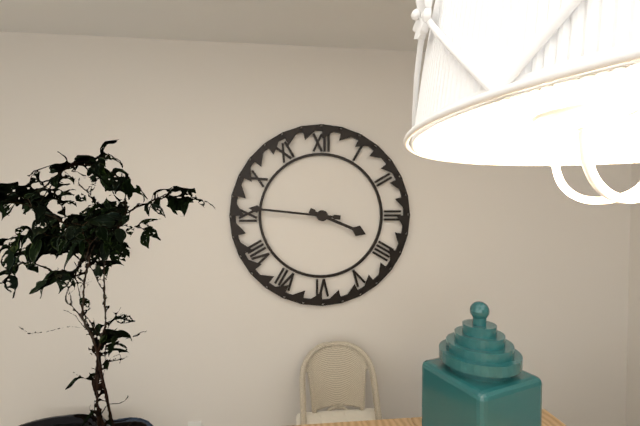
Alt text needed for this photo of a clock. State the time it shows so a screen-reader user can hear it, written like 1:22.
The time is 3:46
